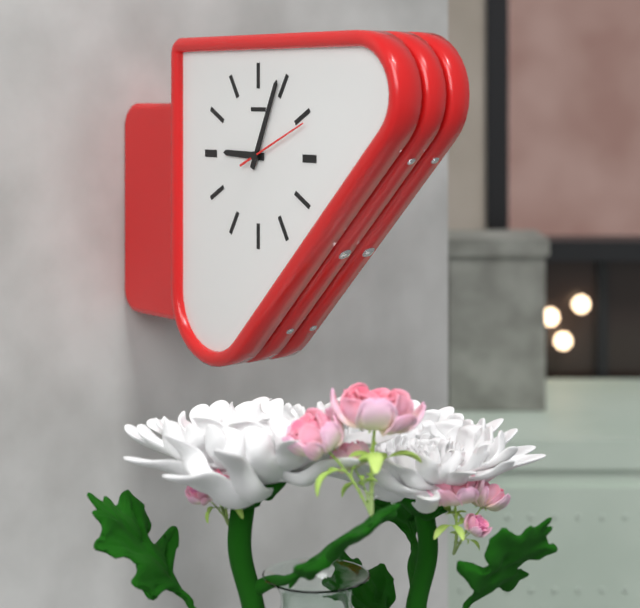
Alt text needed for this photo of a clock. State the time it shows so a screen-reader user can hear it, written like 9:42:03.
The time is 9:04:11
